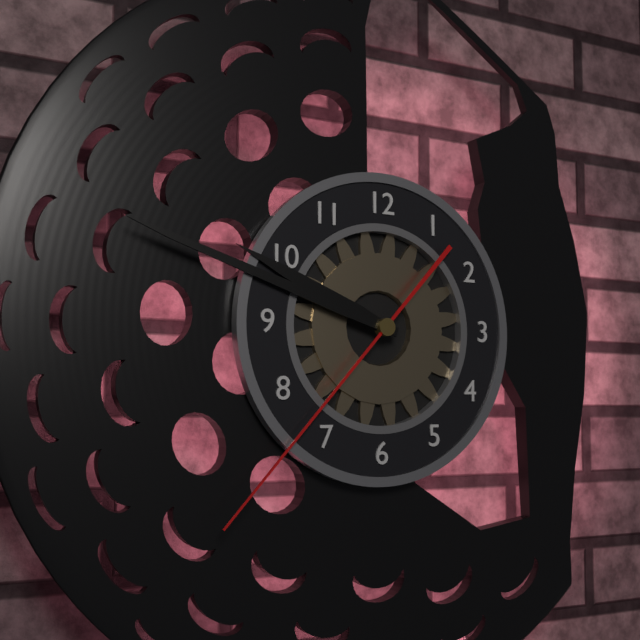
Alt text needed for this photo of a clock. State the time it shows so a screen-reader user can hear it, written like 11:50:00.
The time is 9:48:37
